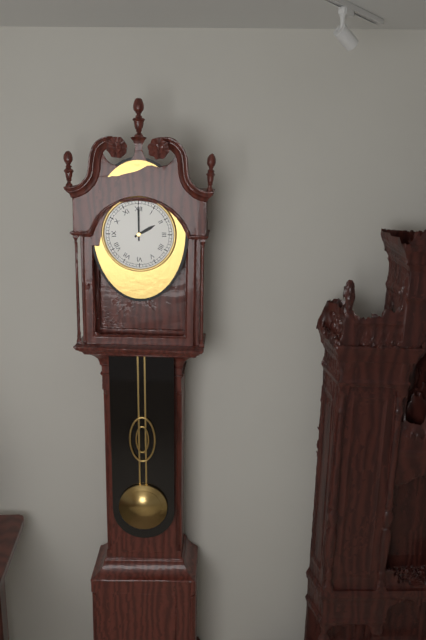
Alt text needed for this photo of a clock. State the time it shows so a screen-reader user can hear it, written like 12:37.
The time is 2:00
